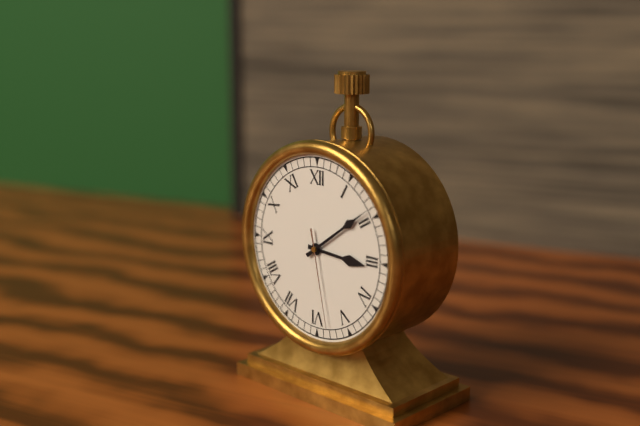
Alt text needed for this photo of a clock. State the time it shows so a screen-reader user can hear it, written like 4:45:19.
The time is 3:09:28
